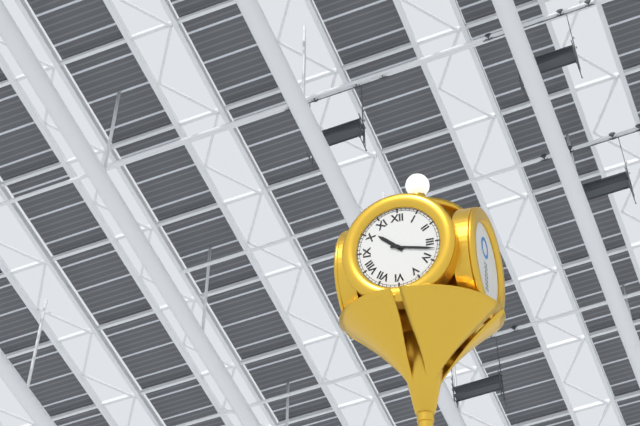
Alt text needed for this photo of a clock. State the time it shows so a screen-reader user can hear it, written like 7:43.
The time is 10:17
